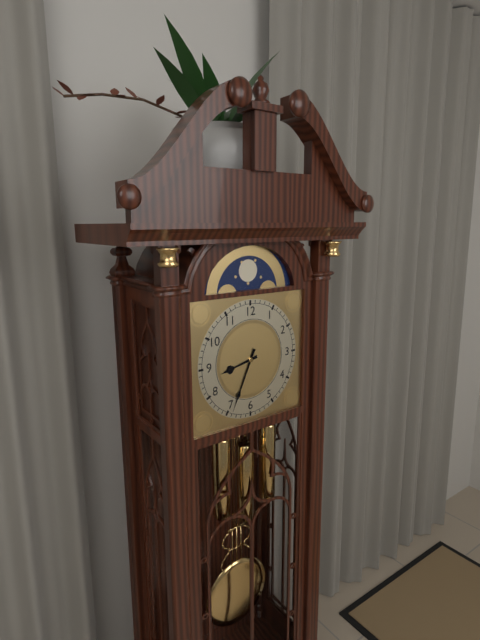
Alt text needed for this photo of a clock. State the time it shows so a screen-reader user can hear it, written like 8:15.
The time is 8:34
